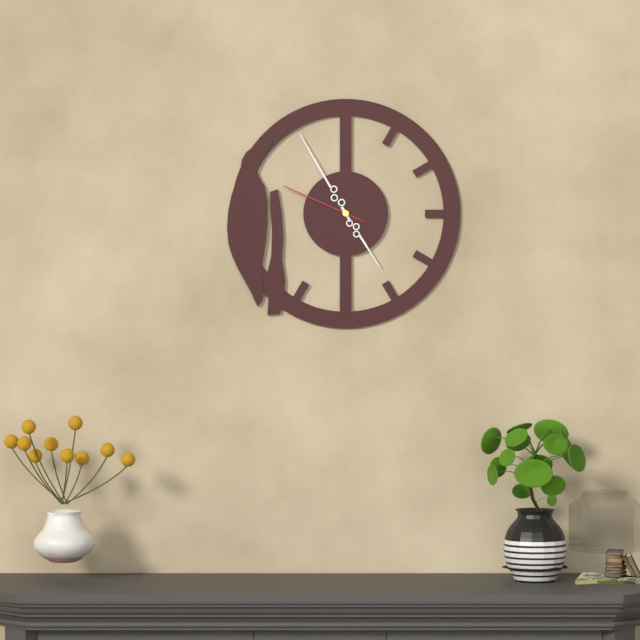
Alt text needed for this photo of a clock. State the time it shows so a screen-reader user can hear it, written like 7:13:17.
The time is 4:55:49
